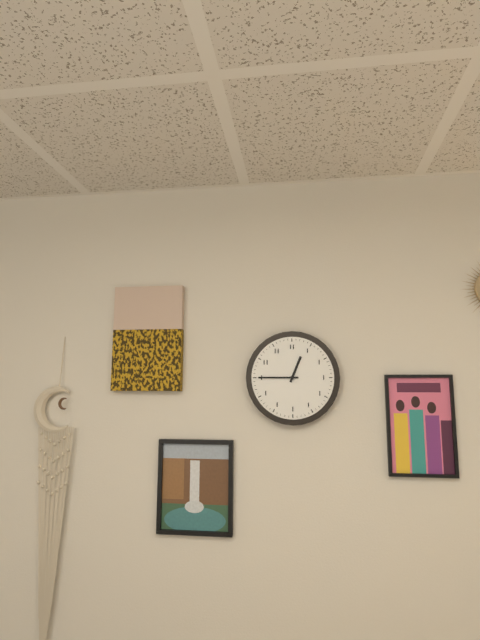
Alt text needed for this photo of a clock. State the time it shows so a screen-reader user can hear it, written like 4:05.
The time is 12:45
